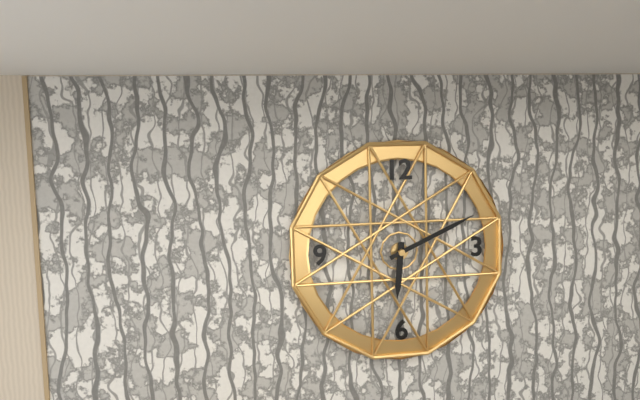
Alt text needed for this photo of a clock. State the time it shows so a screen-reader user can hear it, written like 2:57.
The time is 6:11
